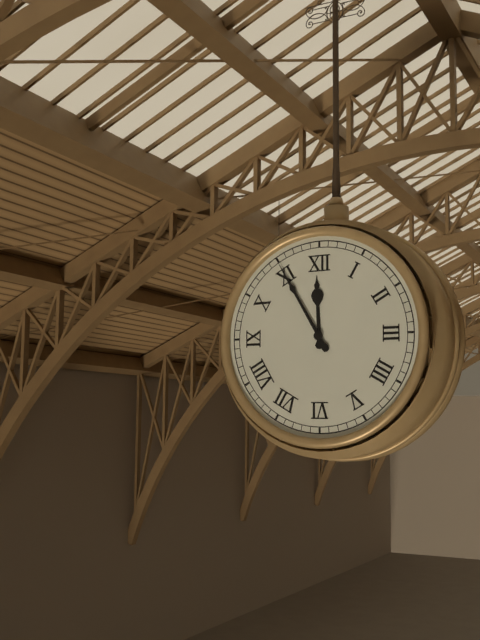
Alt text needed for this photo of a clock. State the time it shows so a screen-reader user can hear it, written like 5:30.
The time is 11:55
